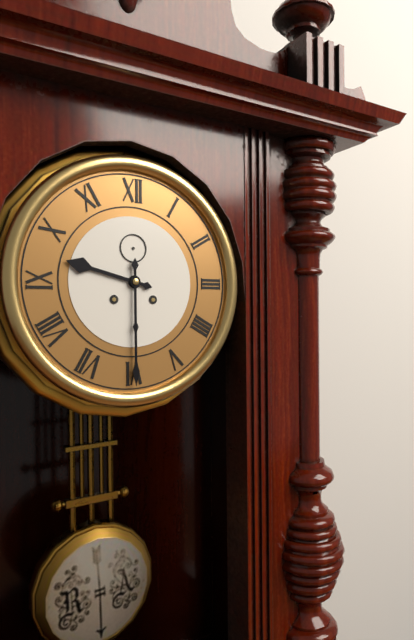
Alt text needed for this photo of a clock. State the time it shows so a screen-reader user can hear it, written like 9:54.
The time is 9:30
